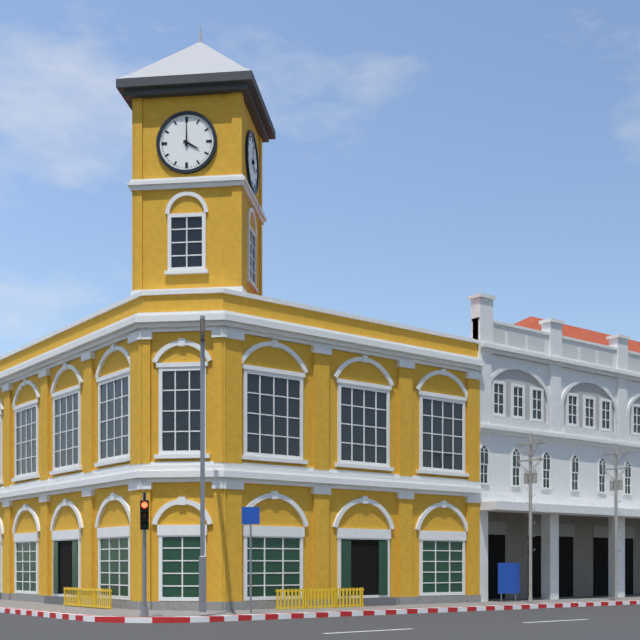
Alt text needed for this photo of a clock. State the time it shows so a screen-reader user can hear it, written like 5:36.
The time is 4:00
